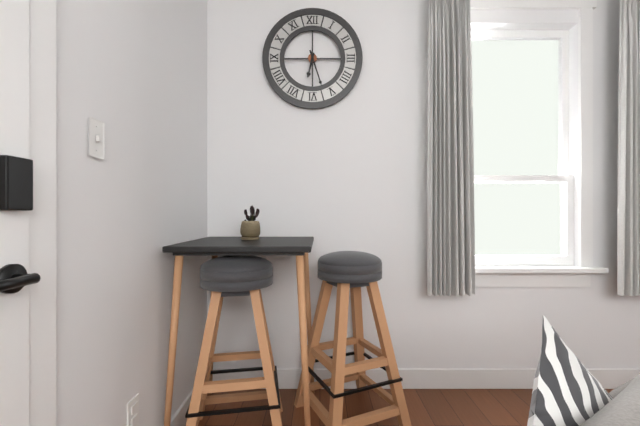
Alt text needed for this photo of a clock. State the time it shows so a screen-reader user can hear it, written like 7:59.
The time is 6:27
